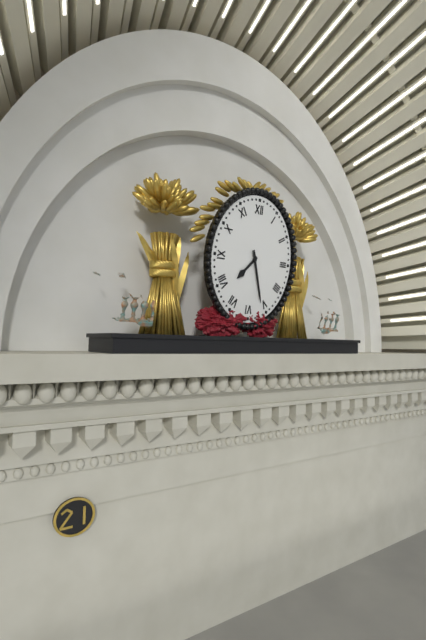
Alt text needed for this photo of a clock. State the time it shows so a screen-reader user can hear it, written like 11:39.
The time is 7:27
